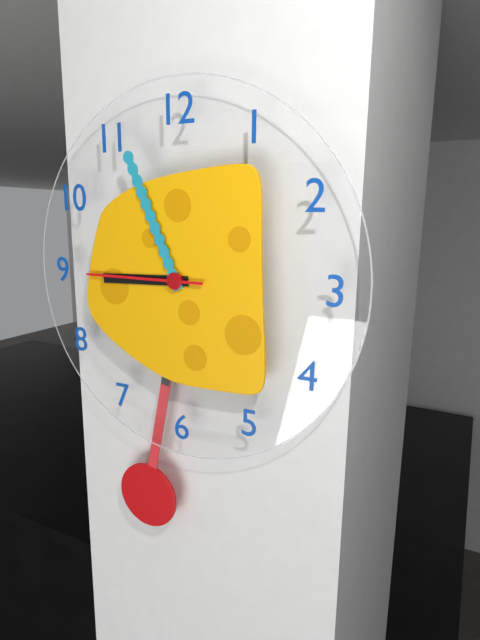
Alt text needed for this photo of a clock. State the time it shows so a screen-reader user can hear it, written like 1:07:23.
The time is 8:56:45
